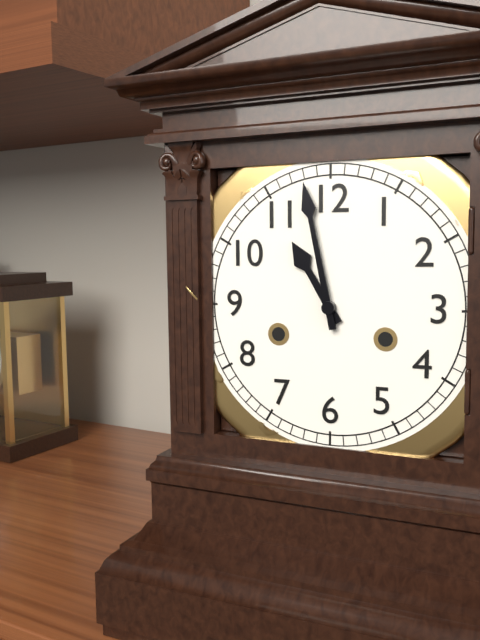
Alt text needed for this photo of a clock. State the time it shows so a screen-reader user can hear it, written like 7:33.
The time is 10:58
